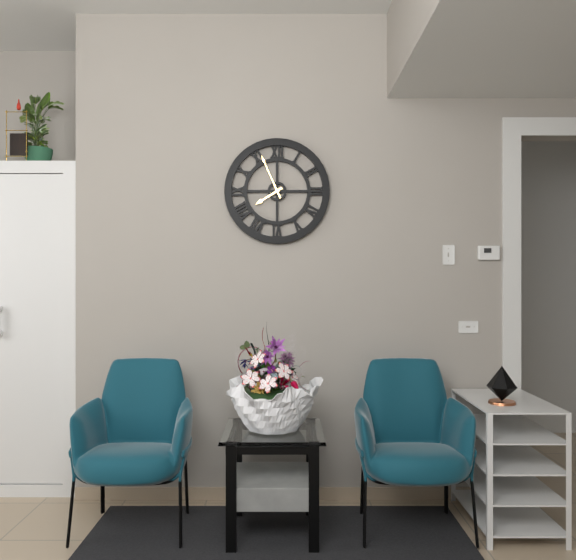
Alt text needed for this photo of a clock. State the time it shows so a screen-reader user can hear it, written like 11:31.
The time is 7:56
